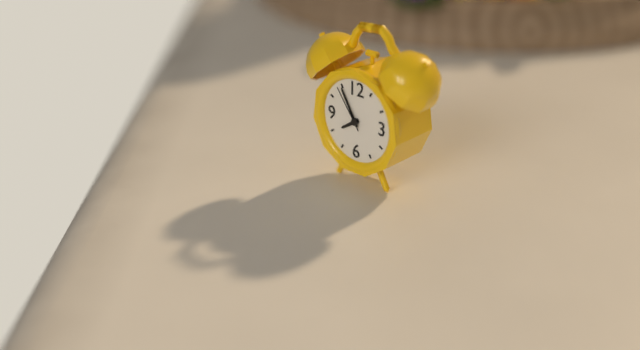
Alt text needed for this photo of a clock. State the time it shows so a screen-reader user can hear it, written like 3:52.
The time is 7:55
